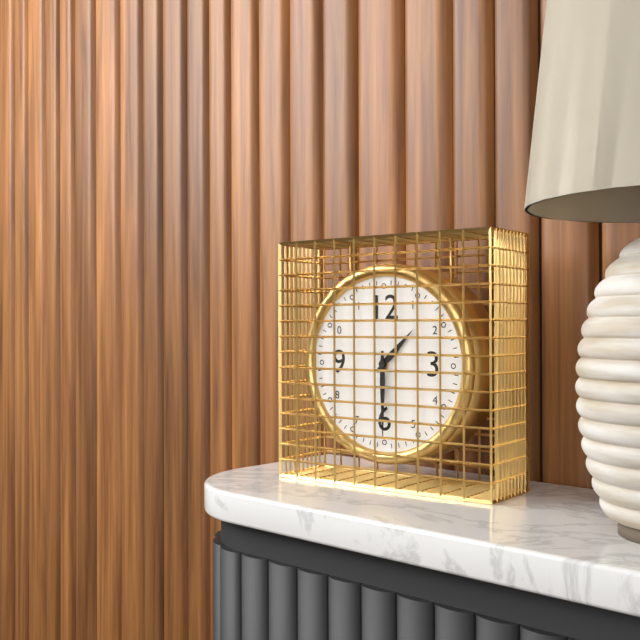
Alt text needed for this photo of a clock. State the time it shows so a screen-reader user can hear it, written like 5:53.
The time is 1:30
